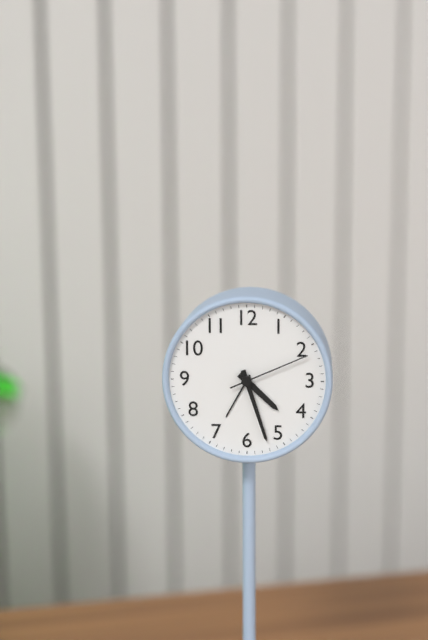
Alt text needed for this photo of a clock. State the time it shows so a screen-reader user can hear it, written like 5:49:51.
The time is 4:27:11
